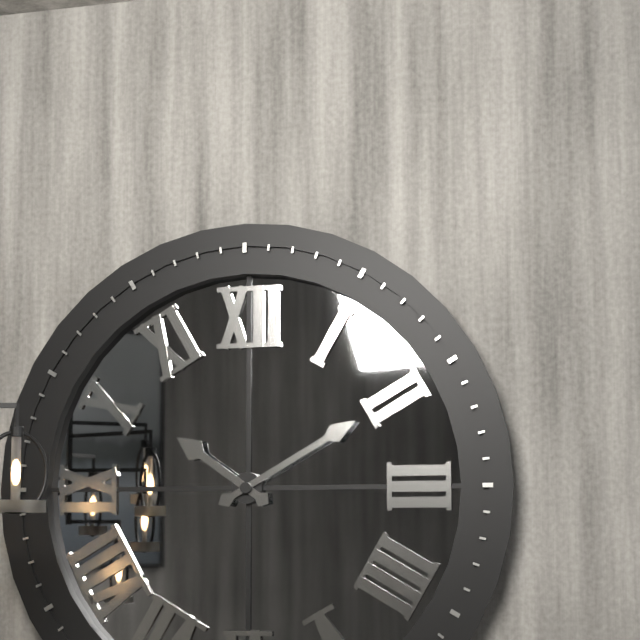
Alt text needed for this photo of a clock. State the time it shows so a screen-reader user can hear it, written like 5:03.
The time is 10:10
